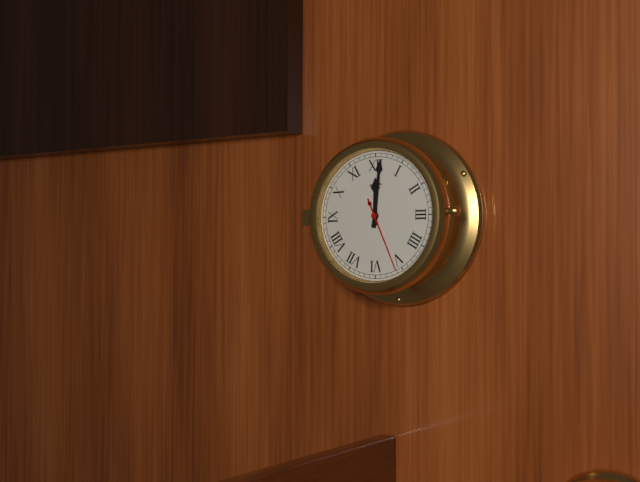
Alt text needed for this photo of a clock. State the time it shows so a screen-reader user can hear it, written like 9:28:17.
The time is 12:01:26
